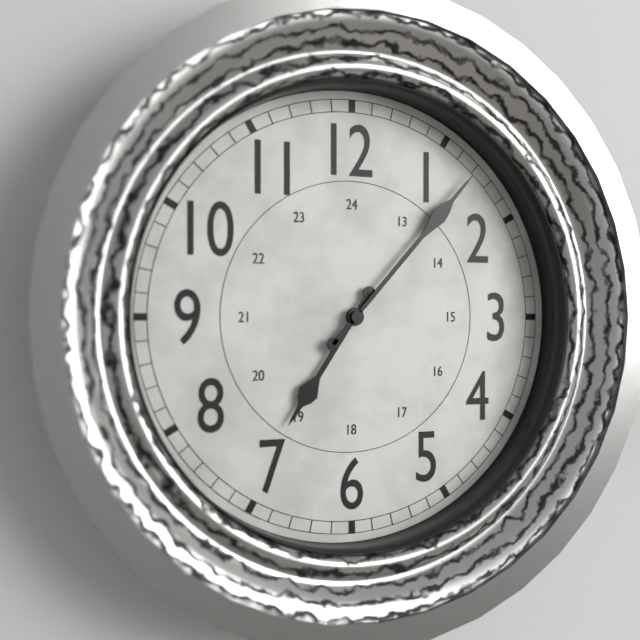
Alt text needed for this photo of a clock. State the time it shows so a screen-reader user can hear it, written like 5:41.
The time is 7:07
